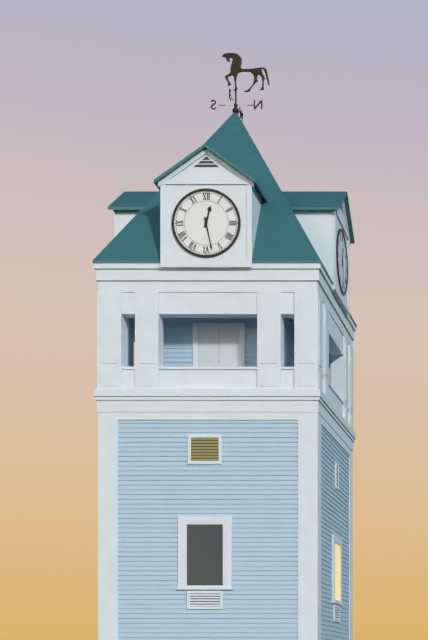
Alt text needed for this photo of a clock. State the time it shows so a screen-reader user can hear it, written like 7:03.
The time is 12:28
